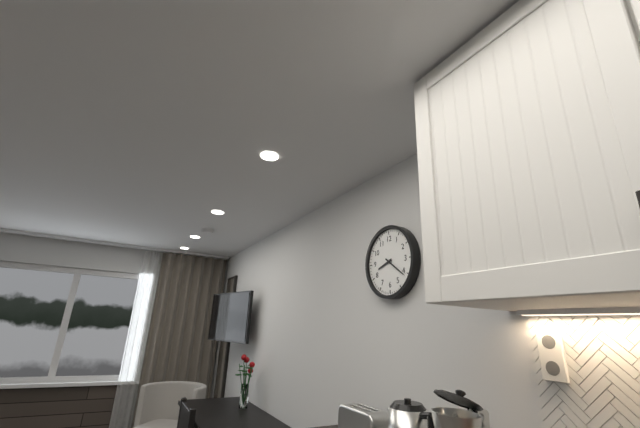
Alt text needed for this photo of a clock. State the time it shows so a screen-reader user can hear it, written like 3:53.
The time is 8:21
